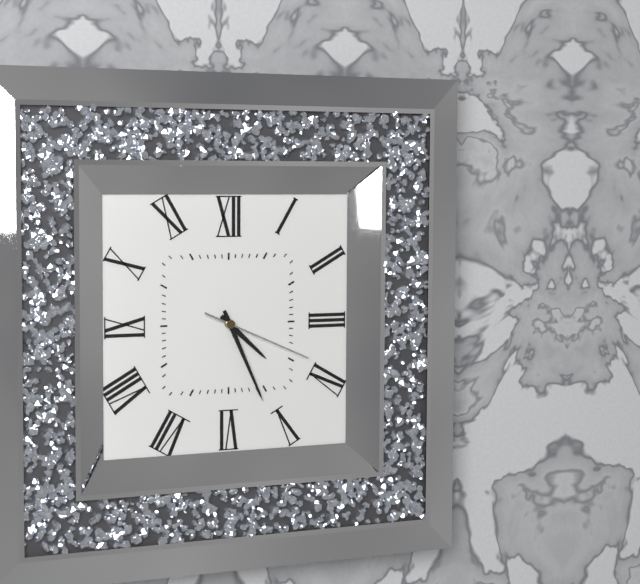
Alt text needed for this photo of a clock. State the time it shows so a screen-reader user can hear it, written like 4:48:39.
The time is 4:26:19
